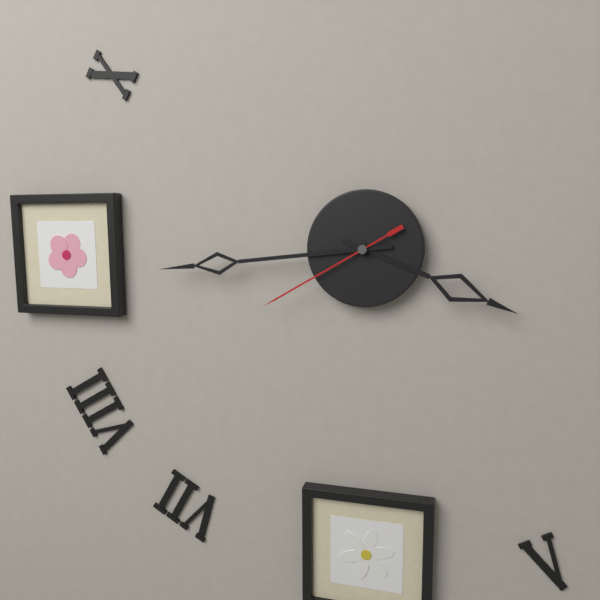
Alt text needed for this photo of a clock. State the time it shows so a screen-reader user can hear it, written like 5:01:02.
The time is 3:44:40
